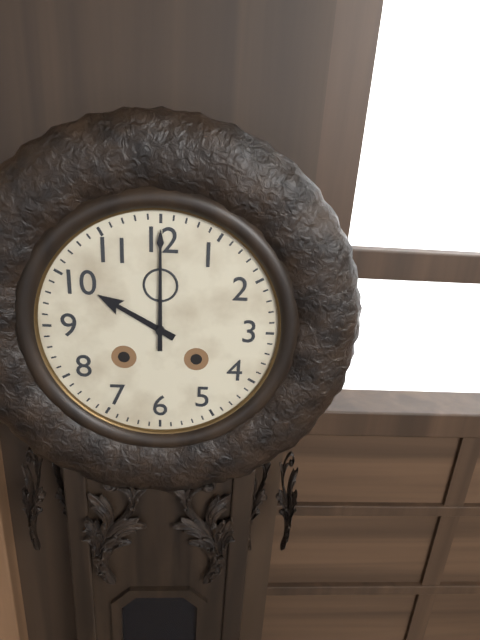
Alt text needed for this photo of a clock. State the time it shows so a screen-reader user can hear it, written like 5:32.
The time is 10:00
